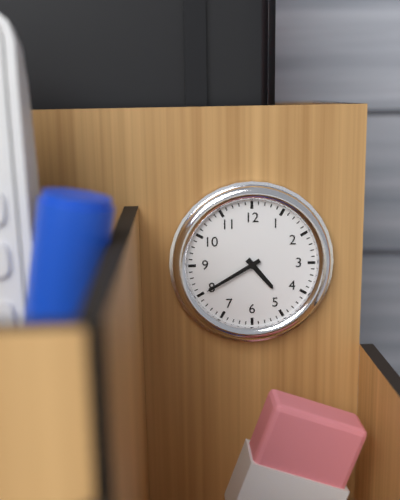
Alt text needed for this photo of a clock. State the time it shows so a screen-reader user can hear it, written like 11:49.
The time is 4:40
